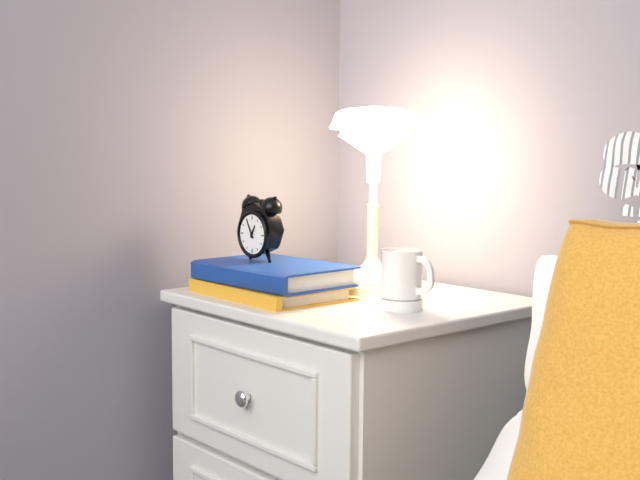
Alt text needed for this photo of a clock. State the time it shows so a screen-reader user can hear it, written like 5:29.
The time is 12:55
